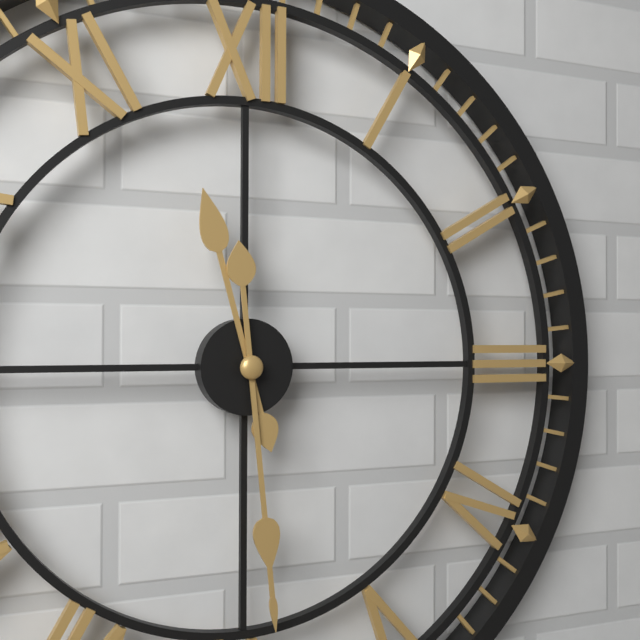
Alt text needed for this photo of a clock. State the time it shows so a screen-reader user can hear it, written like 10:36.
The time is 11:29
